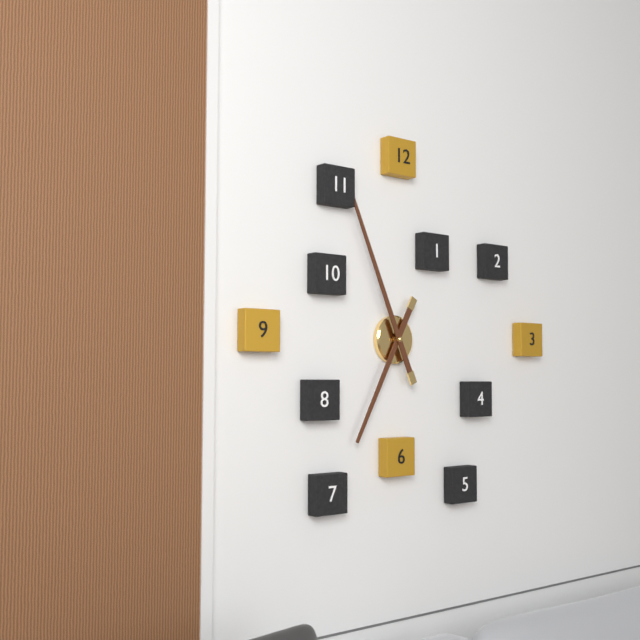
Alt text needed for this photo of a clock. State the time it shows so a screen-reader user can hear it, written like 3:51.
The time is 6:56
